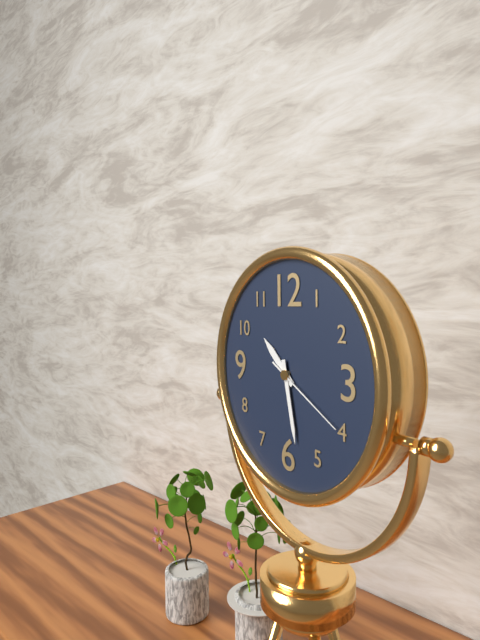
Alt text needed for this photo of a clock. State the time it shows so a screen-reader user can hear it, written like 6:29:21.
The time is 10:28:20
